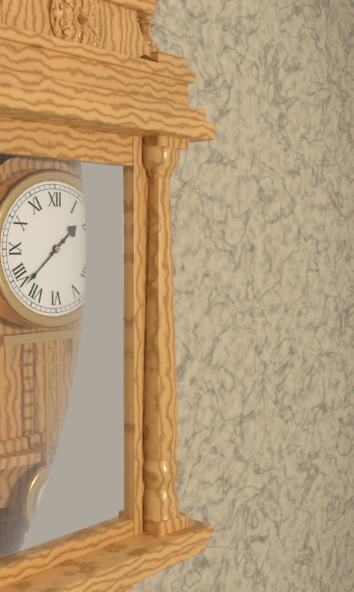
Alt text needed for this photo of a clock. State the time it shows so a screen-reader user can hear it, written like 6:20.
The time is 1:38
